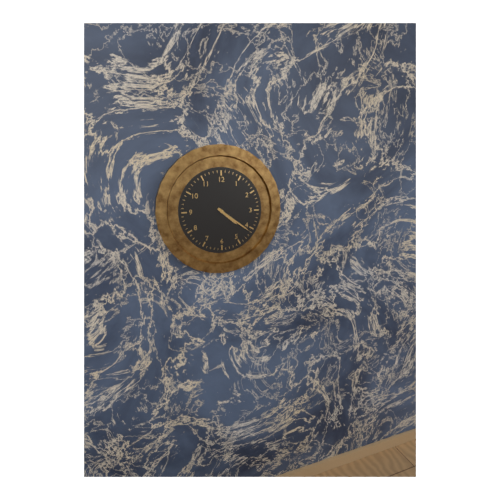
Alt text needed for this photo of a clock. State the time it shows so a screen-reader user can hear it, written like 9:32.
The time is 4:21
